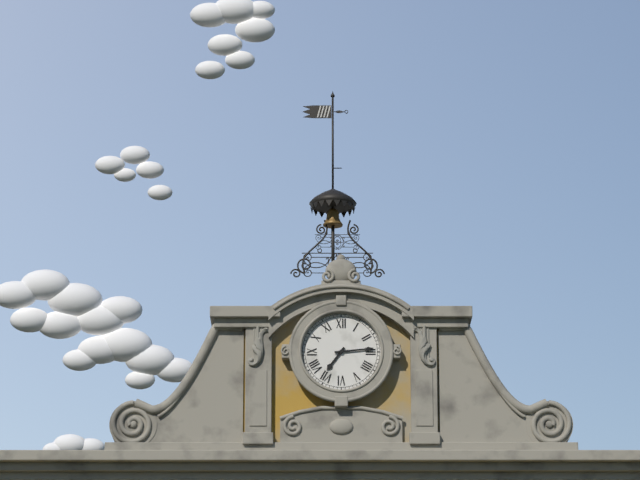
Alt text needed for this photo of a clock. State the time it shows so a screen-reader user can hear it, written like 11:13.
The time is 7:14
